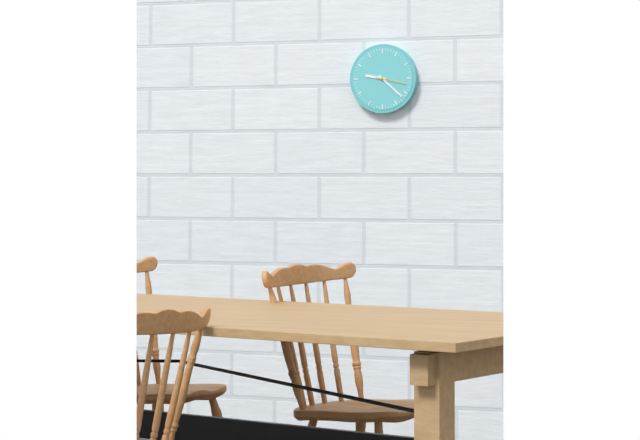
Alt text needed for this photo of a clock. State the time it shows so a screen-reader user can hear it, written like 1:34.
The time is 9:22
